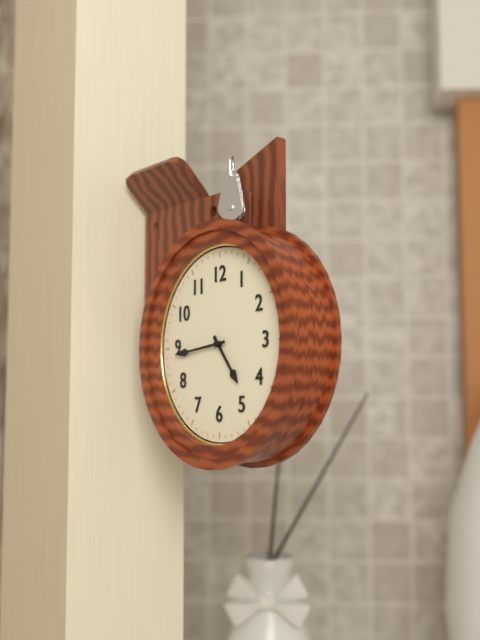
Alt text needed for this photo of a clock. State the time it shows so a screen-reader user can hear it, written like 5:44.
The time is 4:44
